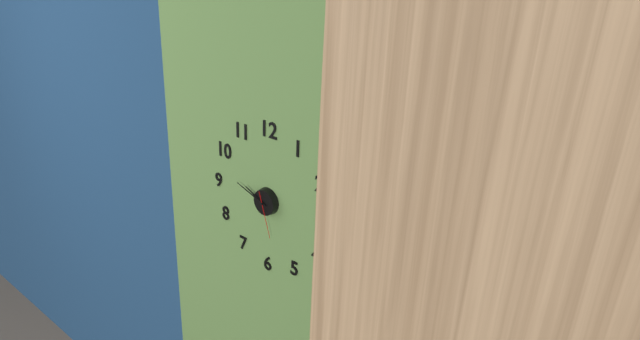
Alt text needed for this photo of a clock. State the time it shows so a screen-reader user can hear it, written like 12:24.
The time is 9:48
